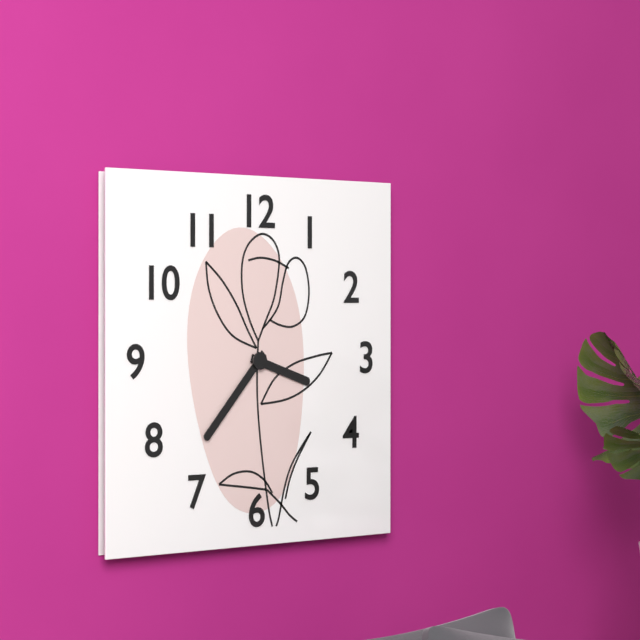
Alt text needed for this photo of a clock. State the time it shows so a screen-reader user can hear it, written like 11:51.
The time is 3:37
